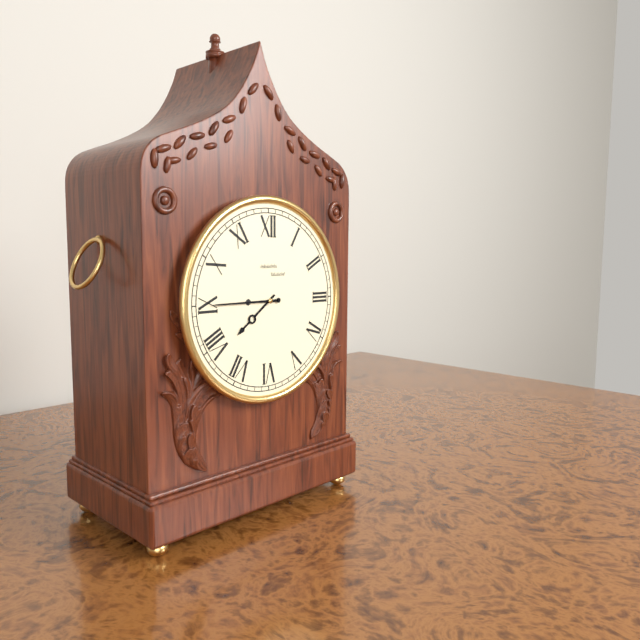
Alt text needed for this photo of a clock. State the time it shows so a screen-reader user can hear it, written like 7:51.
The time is 7:45
